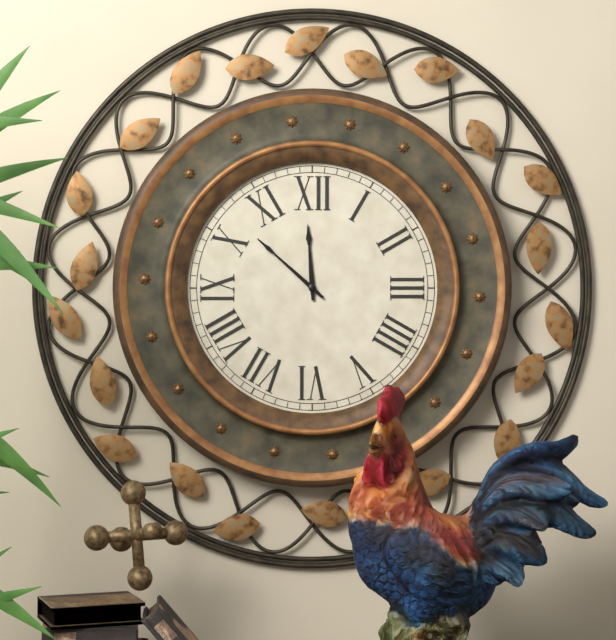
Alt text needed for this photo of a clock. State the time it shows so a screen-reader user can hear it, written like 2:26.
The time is 11:52
